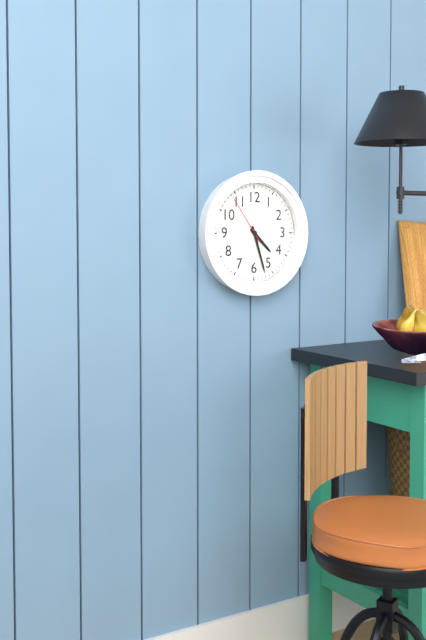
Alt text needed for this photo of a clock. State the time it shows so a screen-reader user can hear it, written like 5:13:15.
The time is 4:27:54
